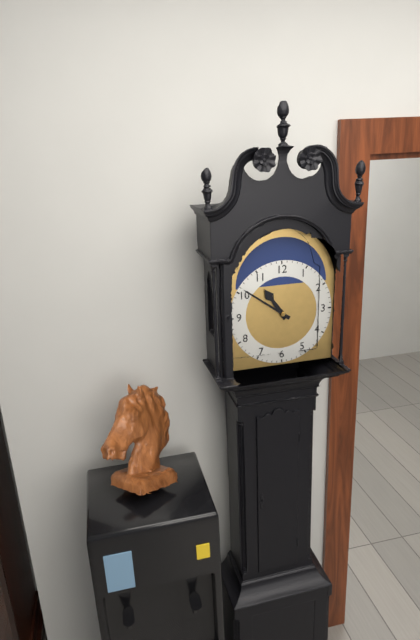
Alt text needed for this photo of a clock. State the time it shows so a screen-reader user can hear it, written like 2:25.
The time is 10:51
